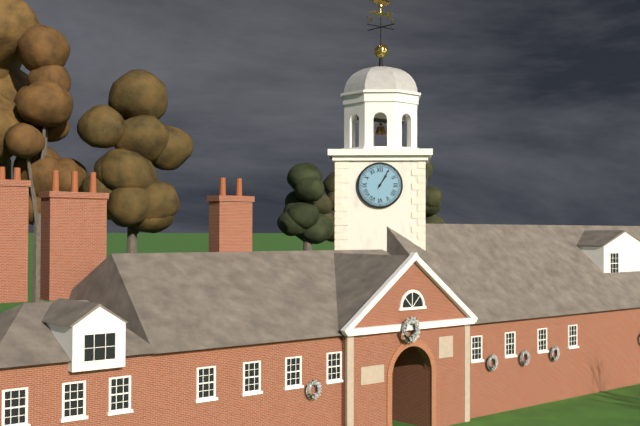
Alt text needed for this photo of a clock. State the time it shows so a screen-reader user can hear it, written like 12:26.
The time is 1:05
